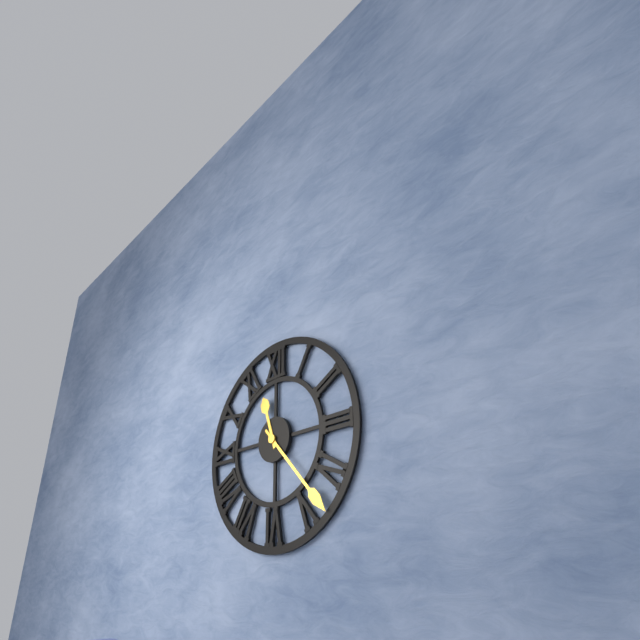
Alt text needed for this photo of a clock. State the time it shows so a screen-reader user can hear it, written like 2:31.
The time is 11:23
